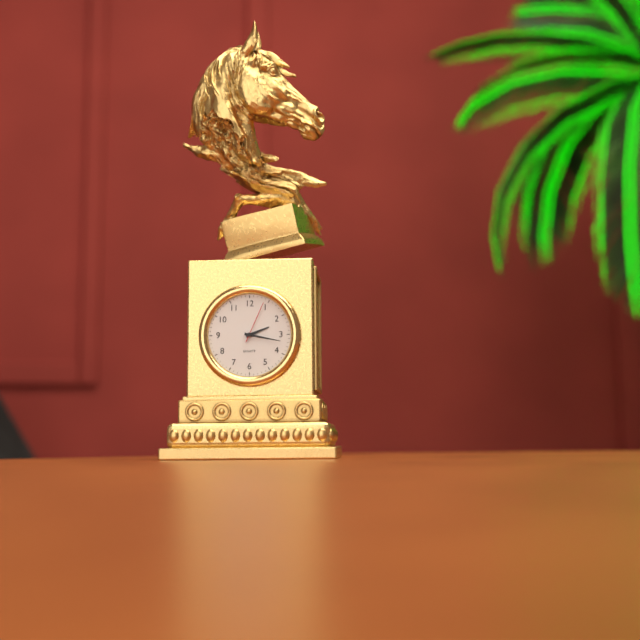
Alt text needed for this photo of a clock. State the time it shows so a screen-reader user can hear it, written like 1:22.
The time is 2:17
